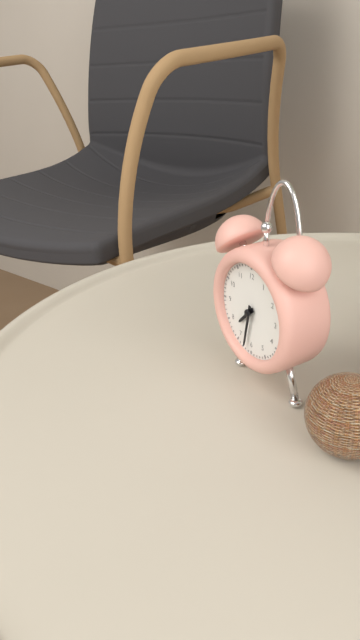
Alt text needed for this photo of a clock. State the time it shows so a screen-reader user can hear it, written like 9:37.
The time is 7:32
